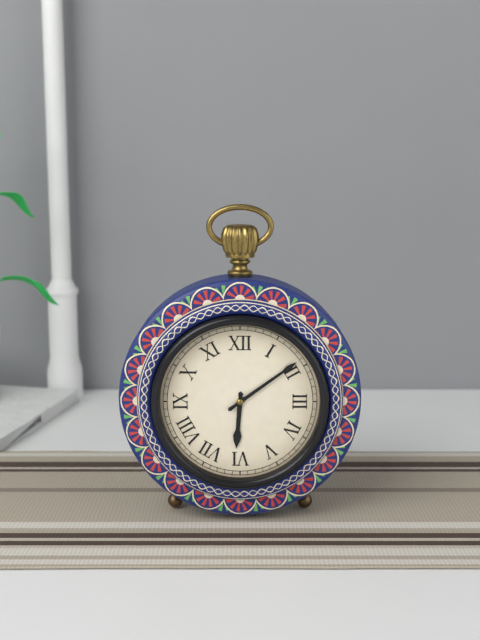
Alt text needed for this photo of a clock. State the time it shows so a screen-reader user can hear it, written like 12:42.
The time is 6:09
